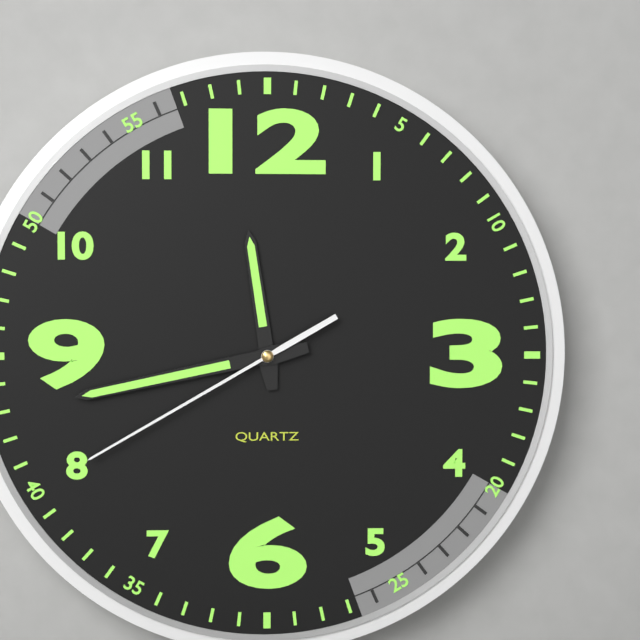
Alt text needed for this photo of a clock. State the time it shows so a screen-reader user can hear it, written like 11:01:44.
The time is 11:43:40
